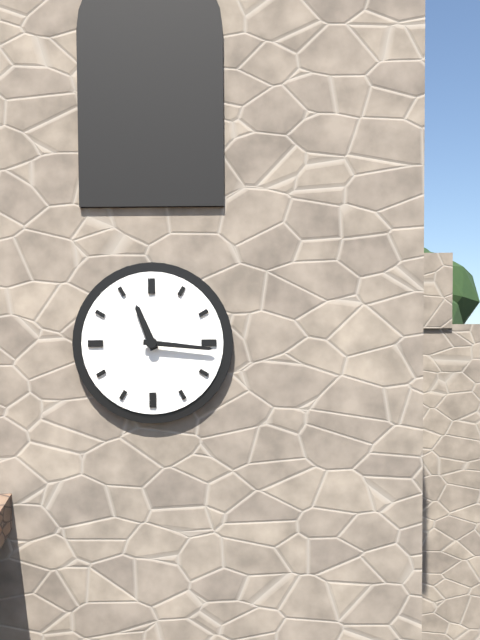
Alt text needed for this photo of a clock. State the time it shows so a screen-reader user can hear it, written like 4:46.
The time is 11:16
